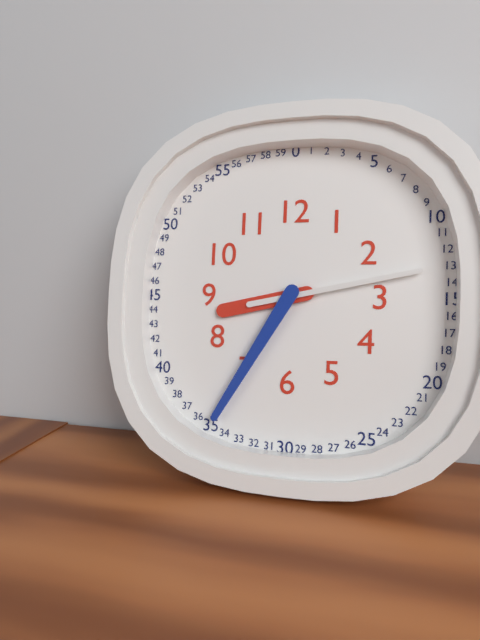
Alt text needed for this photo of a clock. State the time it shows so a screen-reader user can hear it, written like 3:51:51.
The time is 8:35:13
